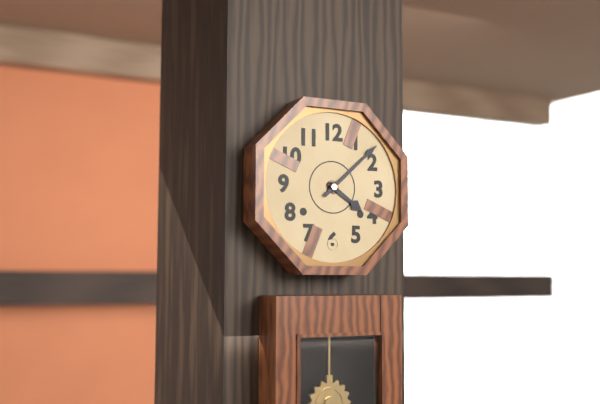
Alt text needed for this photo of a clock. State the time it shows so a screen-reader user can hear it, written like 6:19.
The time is 4:08
